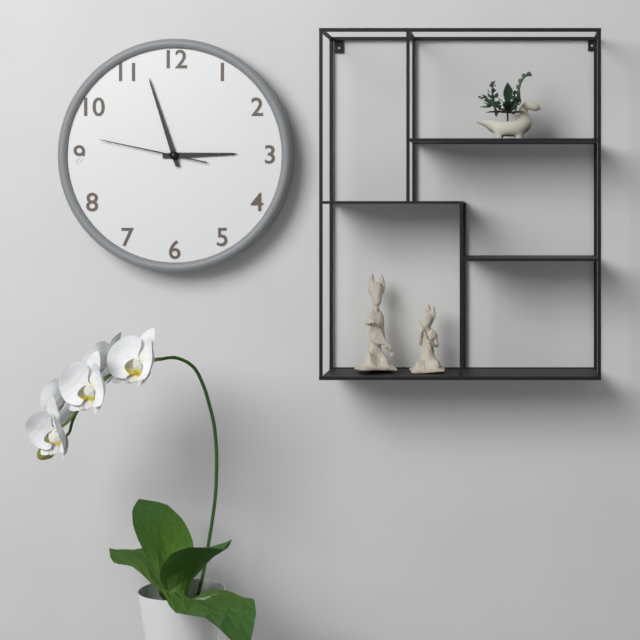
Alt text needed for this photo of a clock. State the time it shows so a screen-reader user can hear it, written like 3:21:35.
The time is 2:57:47
